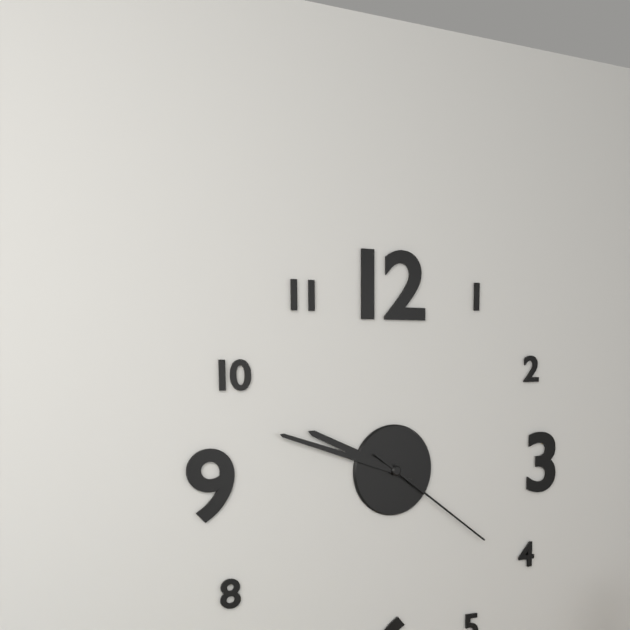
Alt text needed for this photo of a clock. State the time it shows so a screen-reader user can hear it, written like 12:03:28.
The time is 9:48:21
